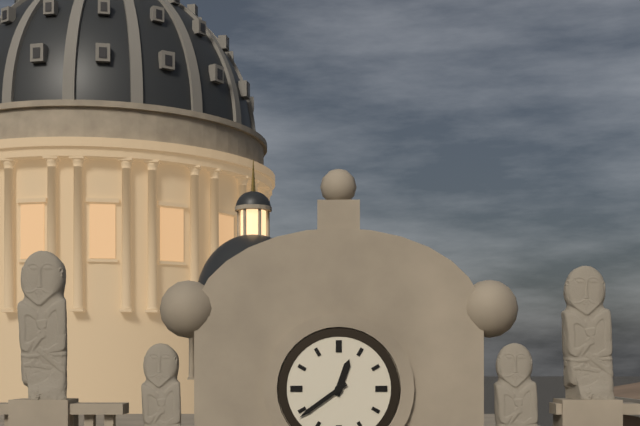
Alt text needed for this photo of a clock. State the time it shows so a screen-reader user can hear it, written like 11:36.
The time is 12:39
